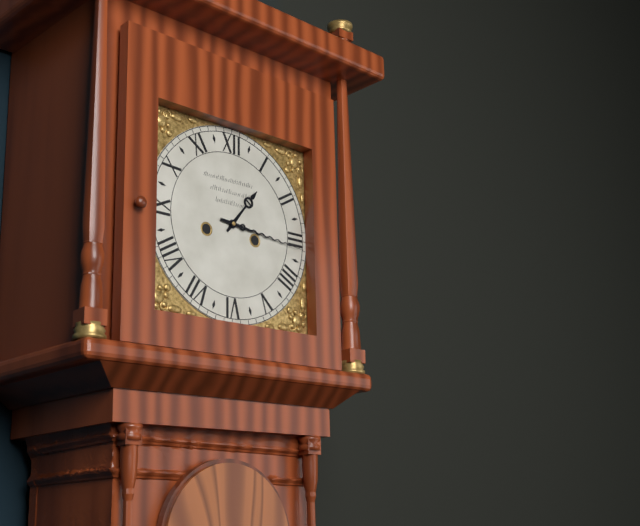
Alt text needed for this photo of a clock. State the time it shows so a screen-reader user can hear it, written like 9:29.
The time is 1:16
